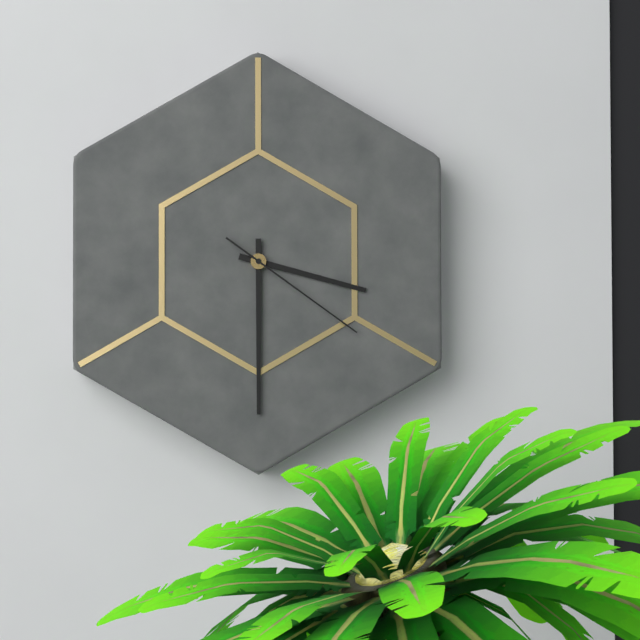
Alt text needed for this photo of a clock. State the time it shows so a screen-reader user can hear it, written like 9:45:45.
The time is 3:30:21
